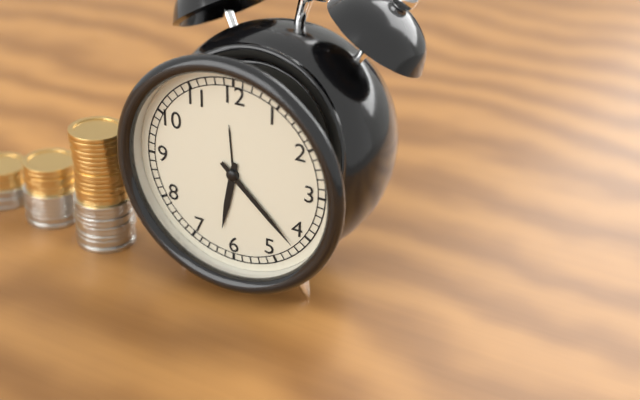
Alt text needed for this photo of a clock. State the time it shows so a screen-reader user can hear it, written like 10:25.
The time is 6:22
